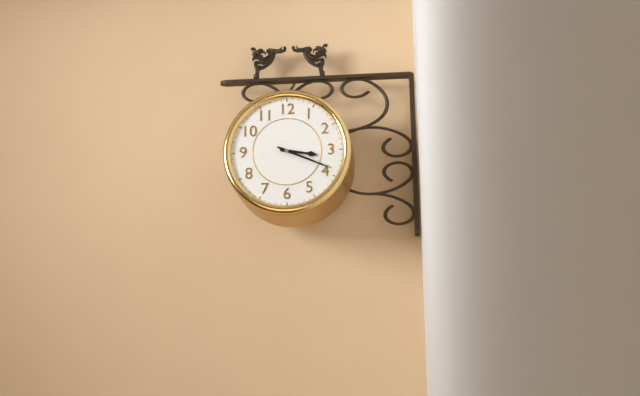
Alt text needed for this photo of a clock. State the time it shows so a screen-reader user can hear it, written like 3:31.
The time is 3:19
